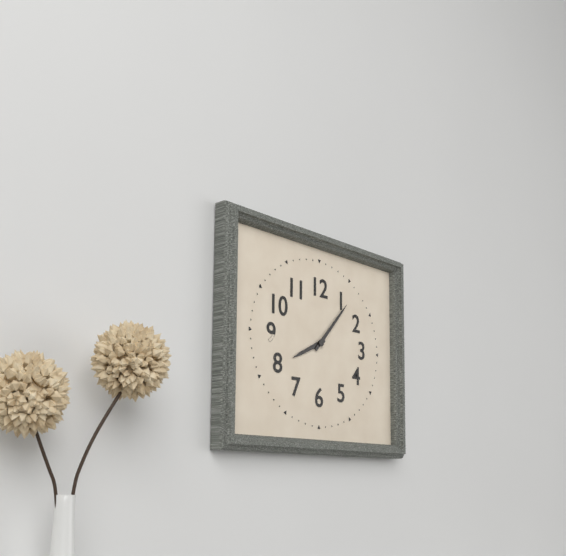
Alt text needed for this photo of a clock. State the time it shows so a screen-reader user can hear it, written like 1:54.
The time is 8:07
